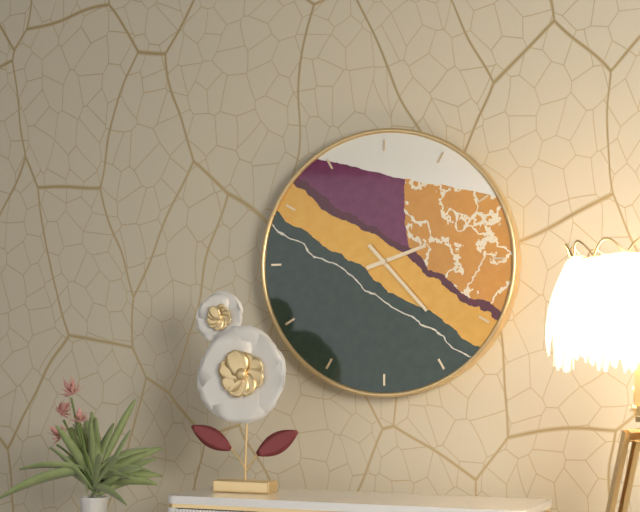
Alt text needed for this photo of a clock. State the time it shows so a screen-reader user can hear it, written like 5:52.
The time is 2:23
